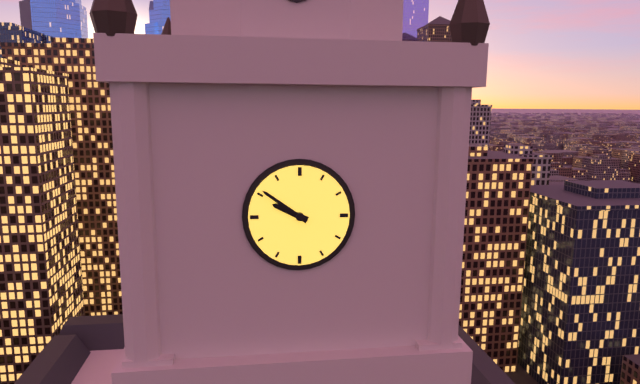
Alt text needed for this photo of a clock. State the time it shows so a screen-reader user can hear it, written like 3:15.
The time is 9:51
